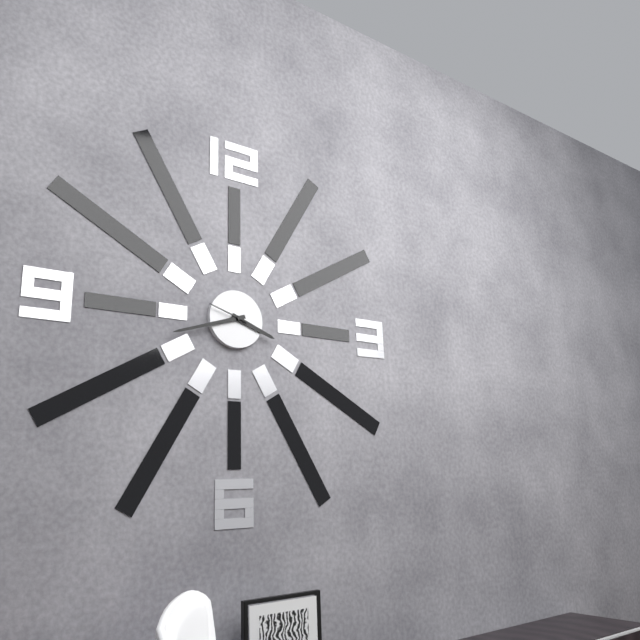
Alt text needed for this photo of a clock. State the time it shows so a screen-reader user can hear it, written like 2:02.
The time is 3:42
